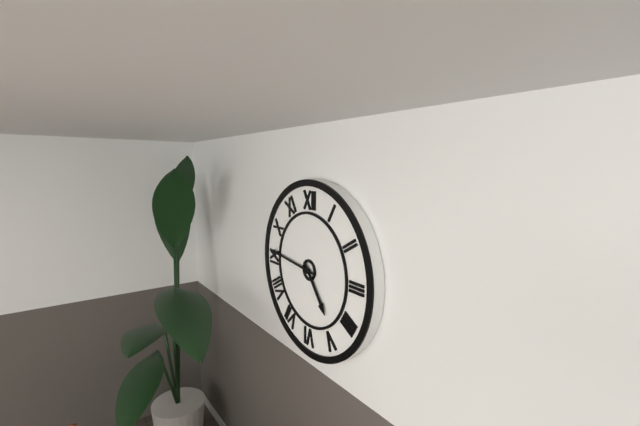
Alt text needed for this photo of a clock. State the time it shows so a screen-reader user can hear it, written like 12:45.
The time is 4:46
